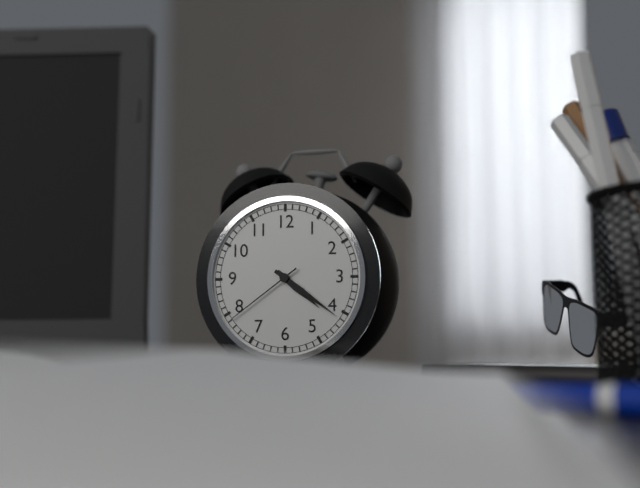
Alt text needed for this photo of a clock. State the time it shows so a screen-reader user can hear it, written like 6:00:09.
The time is 4:21:39
